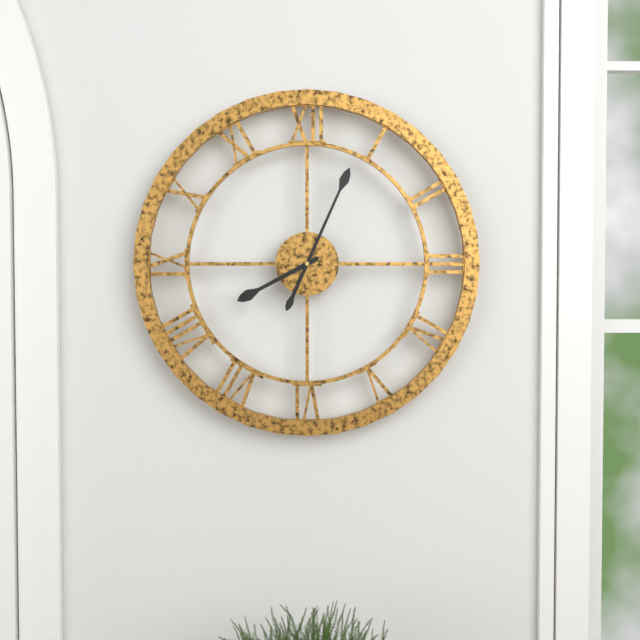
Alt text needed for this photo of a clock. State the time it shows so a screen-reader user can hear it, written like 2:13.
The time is 8:04
